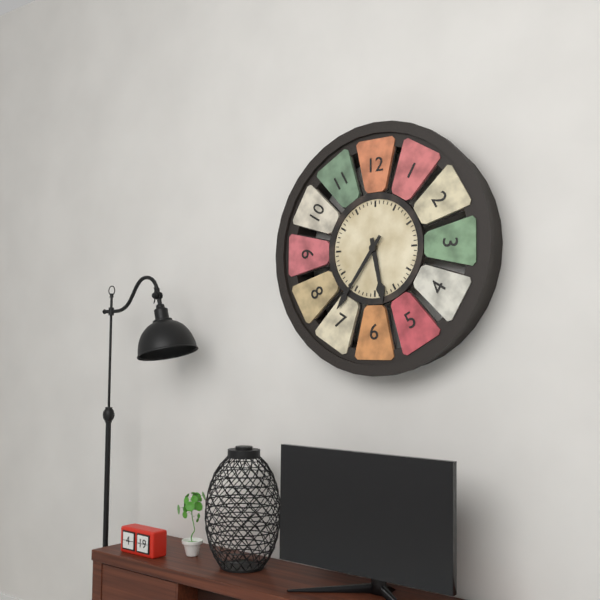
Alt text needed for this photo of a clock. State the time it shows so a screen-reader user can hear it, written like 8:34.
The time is 5:36
